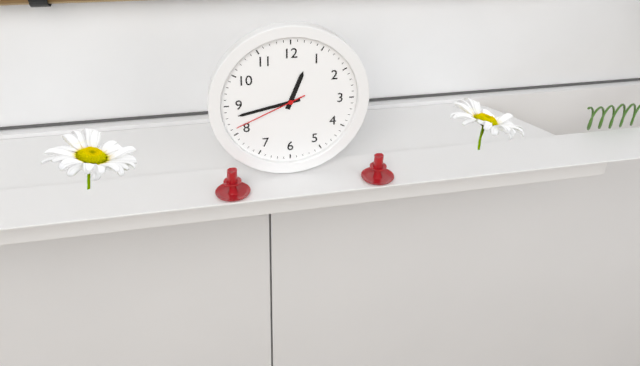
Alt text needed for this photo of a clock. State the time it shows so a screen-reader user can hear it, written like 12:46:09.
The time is 12:43:41
